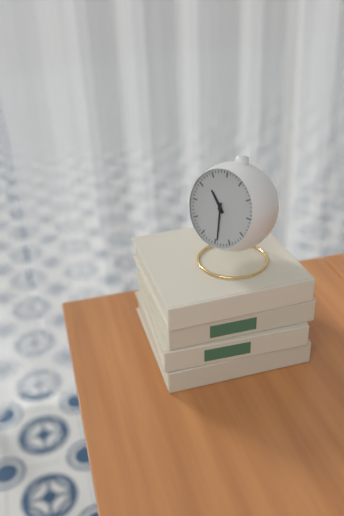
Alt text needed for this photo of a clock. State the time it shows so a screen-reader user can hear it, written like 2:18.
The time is 10:29
